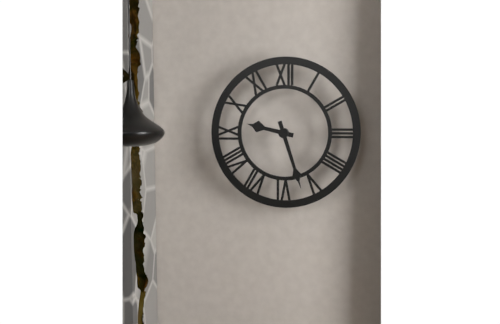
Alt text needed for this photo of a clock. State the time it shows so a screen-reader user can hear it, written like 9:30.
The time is 9:27
